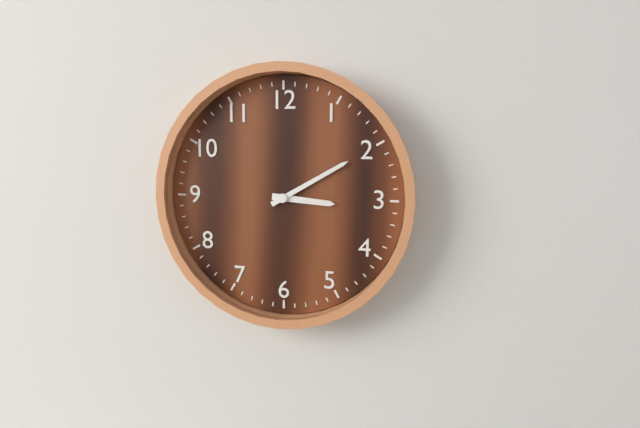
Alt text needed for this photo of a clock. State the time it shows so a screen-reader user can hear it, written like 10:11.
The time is 3:10
